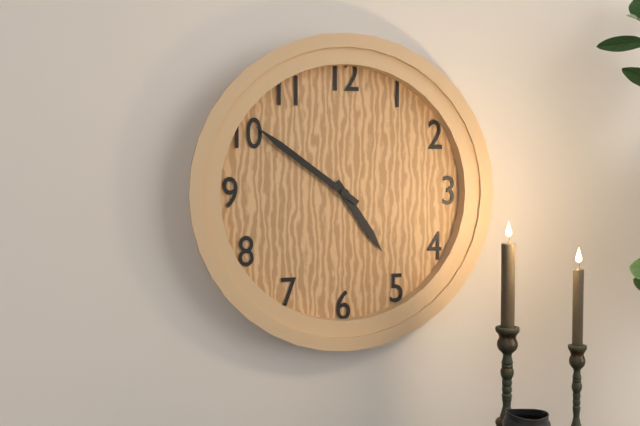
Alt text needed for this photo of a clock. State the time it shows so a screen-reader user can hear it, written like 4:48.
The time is 4:51
